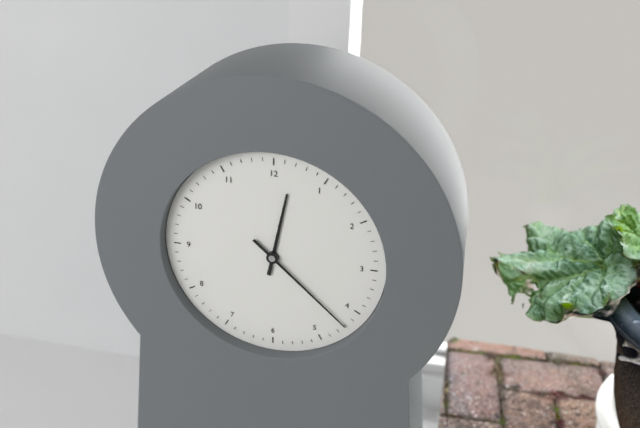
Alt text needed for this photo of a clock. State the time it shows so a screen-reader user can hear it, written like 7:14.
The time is 12:22
